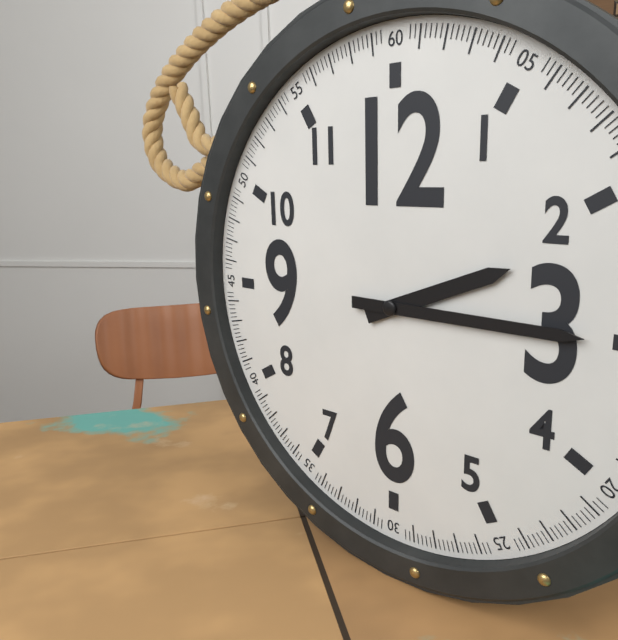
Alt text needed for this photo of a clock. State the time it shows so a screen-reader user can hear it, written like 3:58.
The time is 2:15
